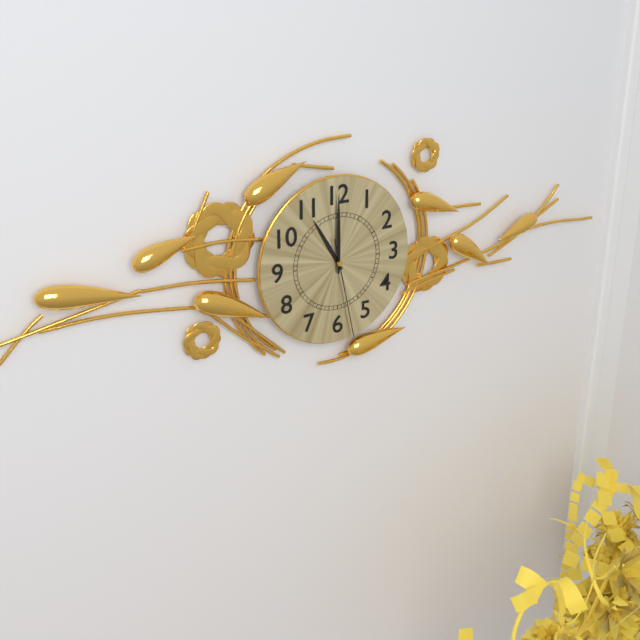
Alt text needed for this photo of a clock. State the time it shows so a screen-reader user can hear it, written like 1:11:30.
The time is 11:00:28
